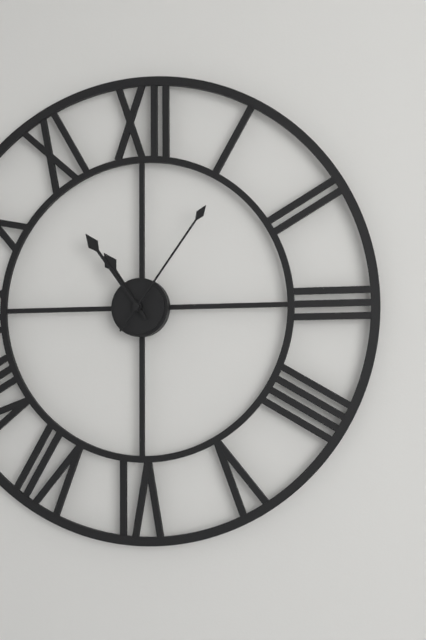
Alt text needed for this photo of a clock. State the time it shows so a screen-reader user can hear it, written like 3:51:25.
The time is 10:54:06
